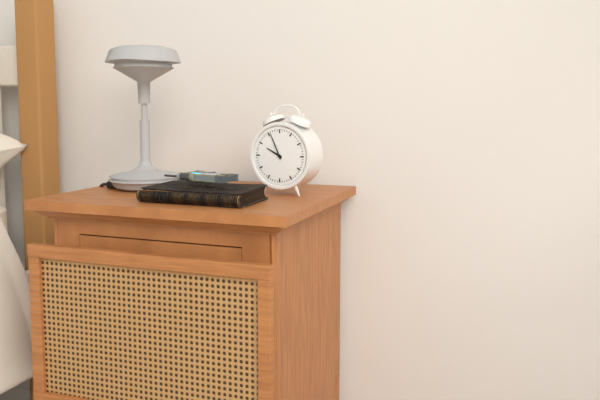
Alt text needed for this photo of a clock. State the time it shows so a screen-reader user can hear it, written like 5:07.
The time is 9:56
